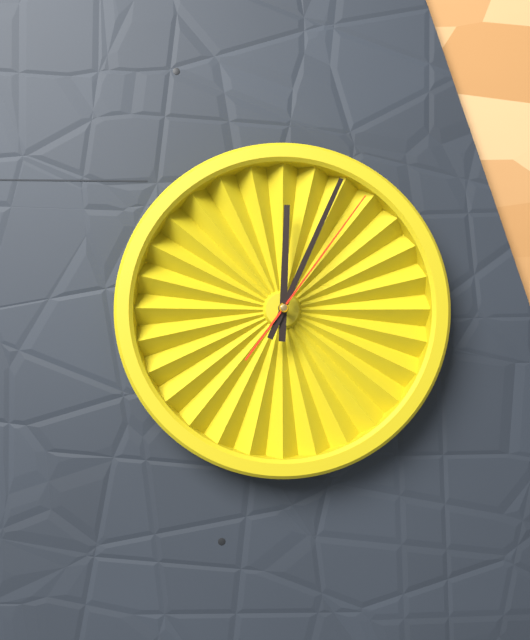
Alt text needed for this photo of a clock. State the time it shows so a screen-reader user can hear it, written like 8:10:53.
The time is 12:04:06
